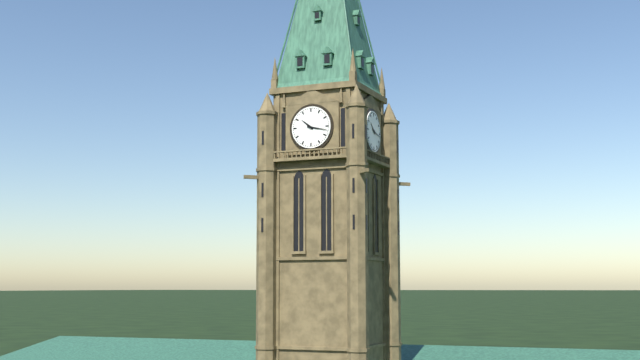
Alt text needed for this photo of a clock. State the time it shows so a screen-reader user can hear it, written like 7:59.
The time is 10:17
